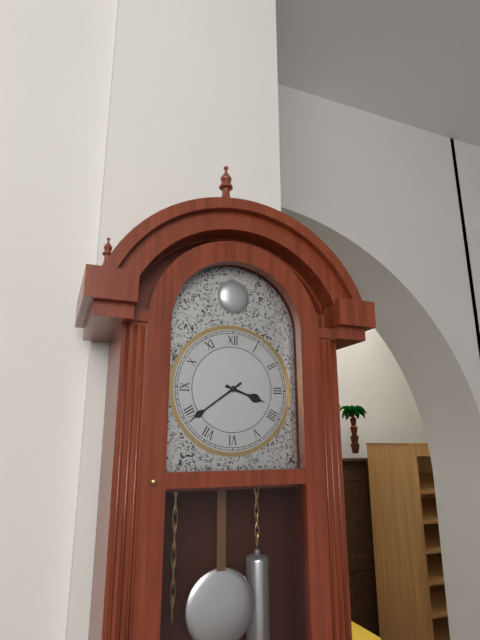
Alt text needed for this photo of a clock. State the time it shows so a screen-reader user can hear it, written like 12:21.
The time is 3:39
